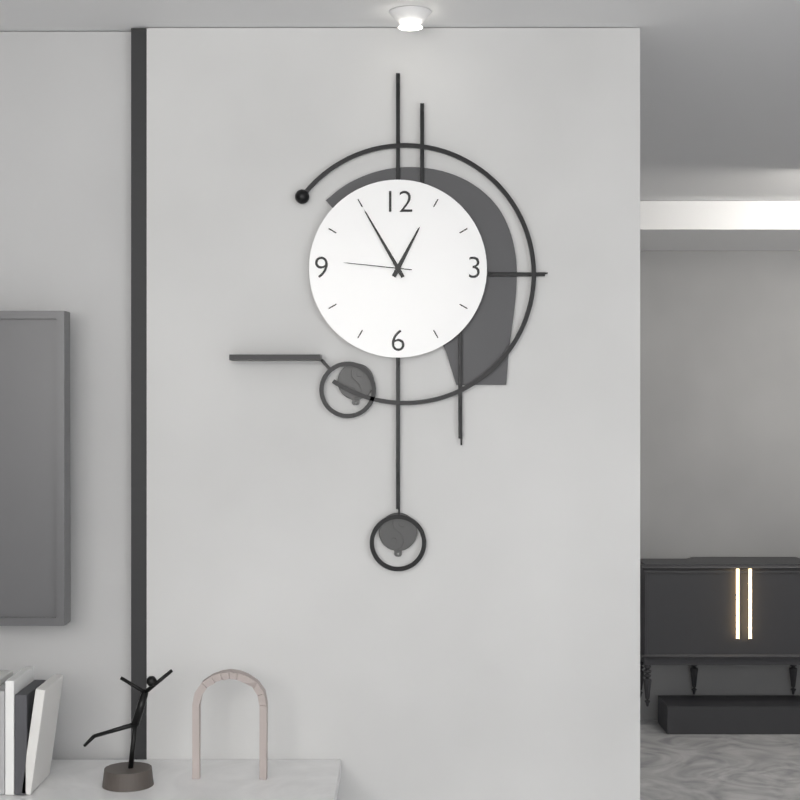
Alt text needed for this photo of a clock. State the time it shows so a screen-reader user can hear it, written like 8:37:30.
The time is 12:55:46
